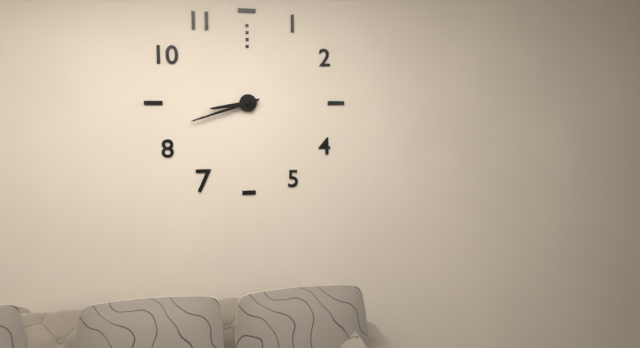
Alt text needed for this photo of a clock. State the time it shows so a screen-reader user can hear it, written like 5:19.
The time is 8:42
